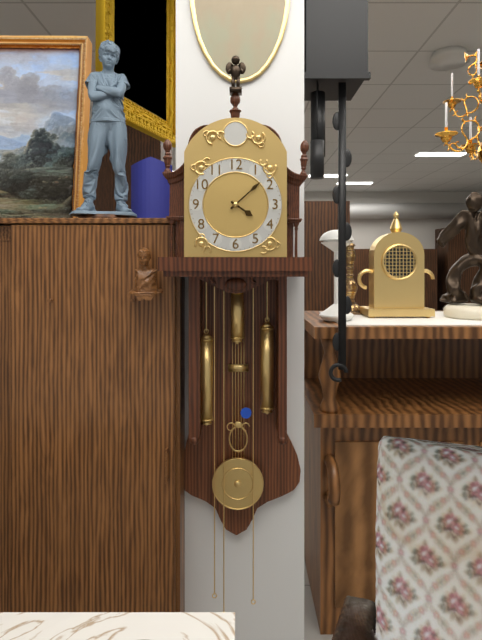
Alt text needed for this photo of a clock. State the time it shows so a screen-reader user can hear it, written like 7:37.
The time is 4:08
